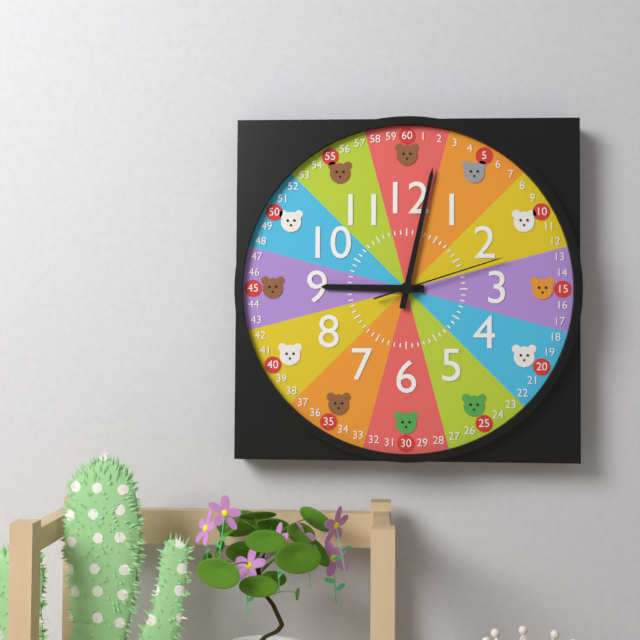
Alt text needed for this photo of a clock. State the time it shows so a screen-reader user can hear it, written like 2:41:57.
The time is 9:02:12
